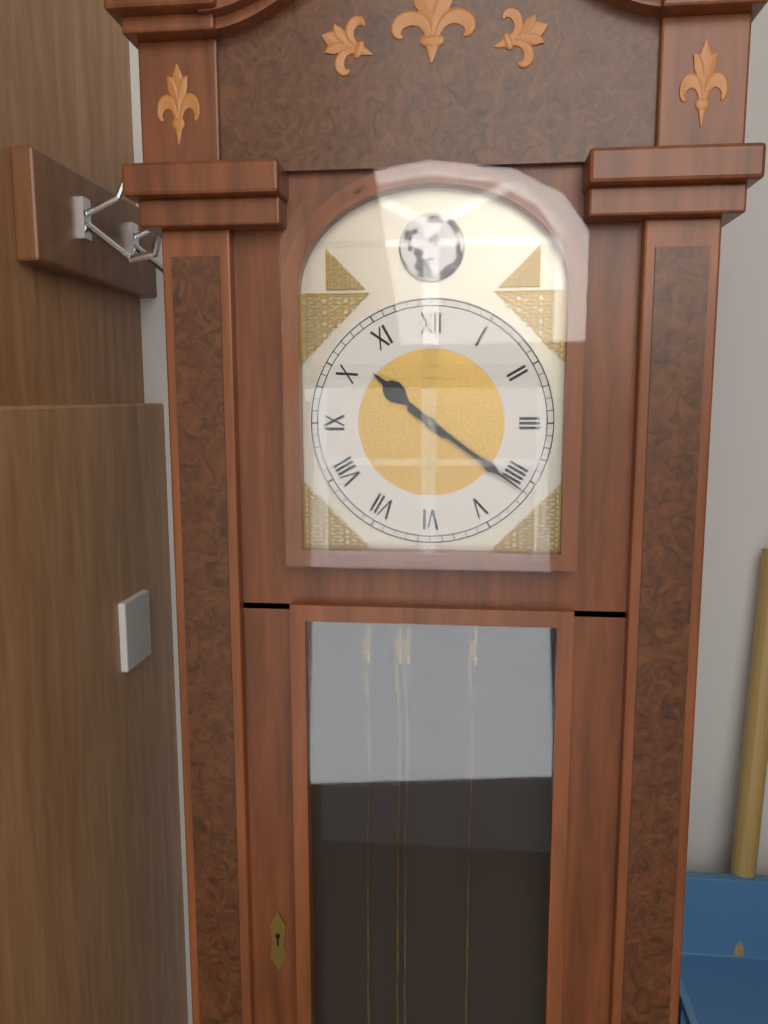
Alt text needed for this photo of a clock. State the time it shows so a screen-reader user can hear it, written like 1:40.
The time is 10:21
